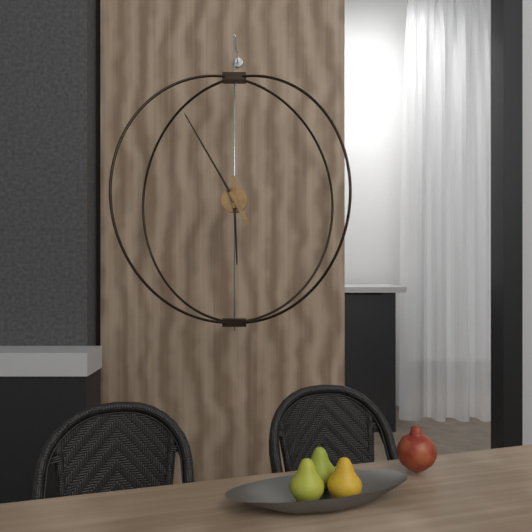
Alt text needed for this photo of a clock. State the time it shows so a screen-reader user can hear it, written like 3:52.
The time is 5:55
